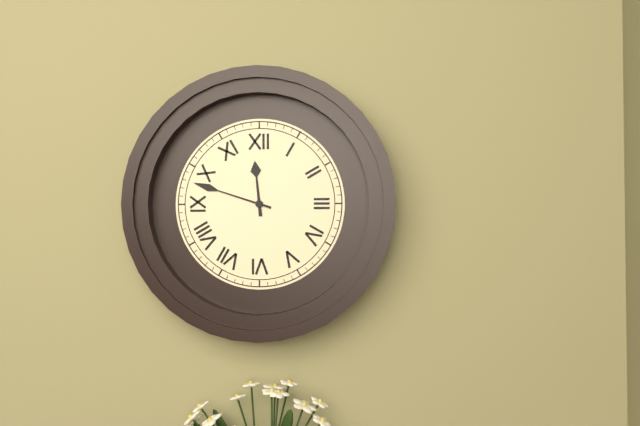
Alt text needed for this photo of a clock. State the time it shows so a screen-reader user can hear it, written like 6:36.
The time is 11:48
